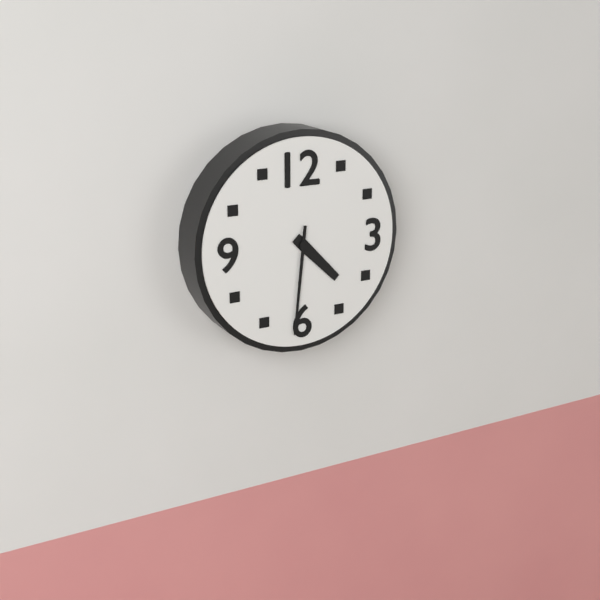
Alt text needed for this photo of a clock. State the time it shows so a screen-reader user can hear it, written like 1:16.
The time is 4:31
